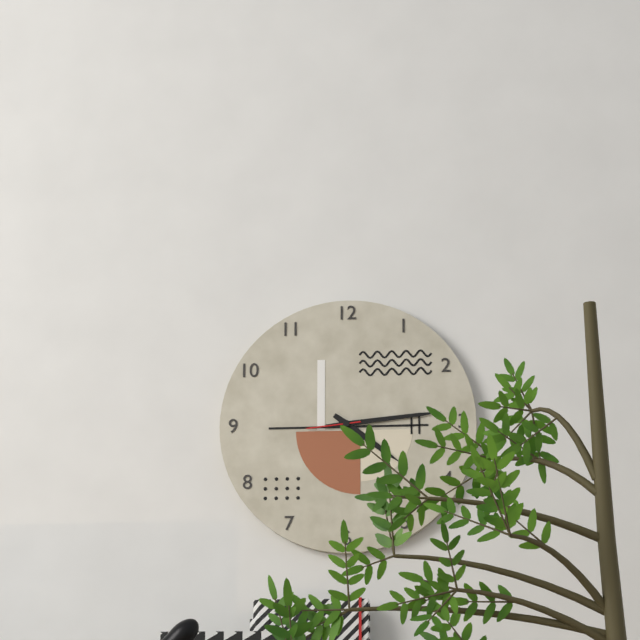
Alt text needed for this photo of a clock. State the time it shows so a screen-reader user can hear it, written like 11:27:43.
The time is 4:14:44
